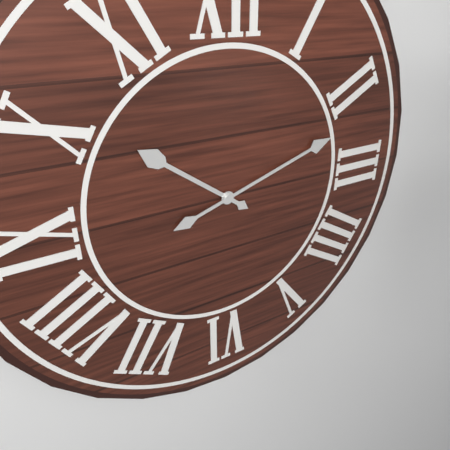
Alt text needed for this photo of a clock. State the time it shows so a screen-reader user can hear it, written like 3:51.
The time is 10:12
